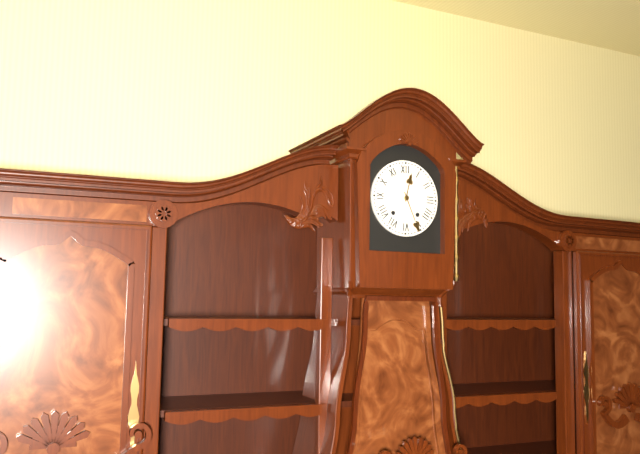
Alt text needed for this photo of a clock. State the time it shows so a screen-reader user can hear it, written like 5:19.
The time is 12:26
